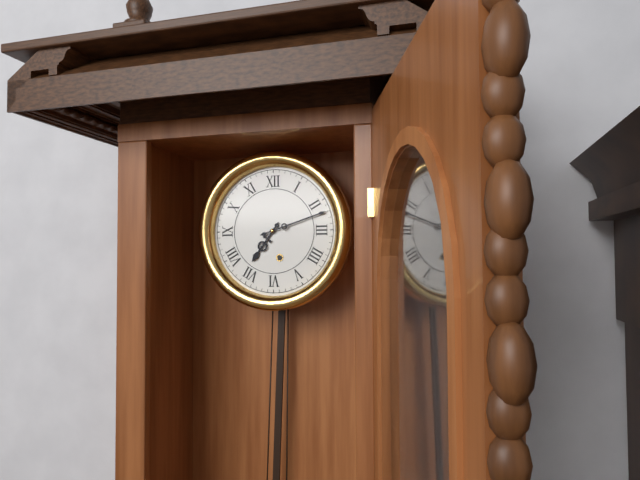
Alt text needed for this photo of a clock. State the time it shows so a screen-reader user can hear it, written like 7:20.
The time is 7:12
